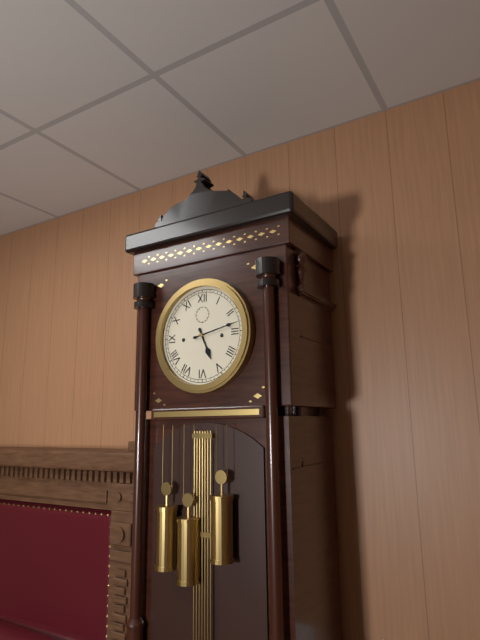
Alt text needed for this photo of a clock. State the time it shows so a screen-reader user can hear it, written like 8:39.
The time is 5:13
